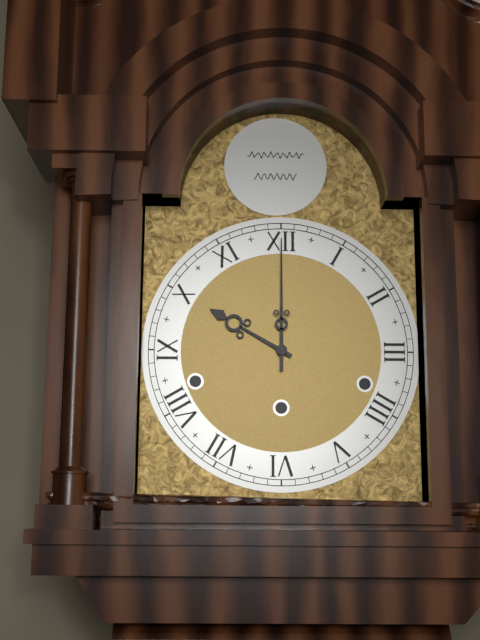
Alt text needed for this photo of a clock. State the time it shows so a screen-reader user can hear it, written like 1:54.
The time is 10:00
